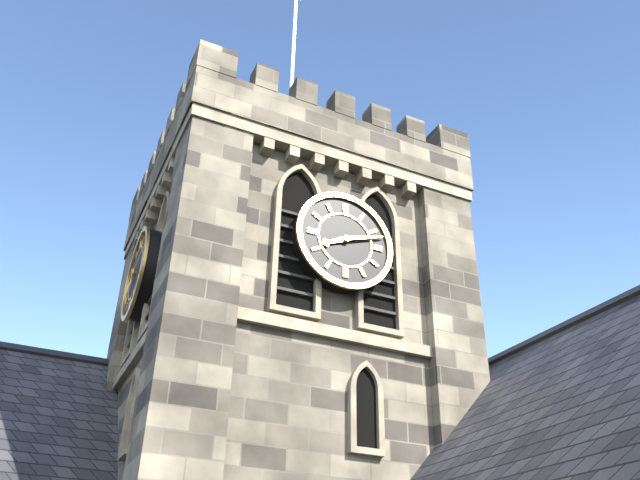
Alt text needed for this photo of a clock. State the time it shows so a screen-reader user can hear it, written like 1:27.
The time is 8:12
